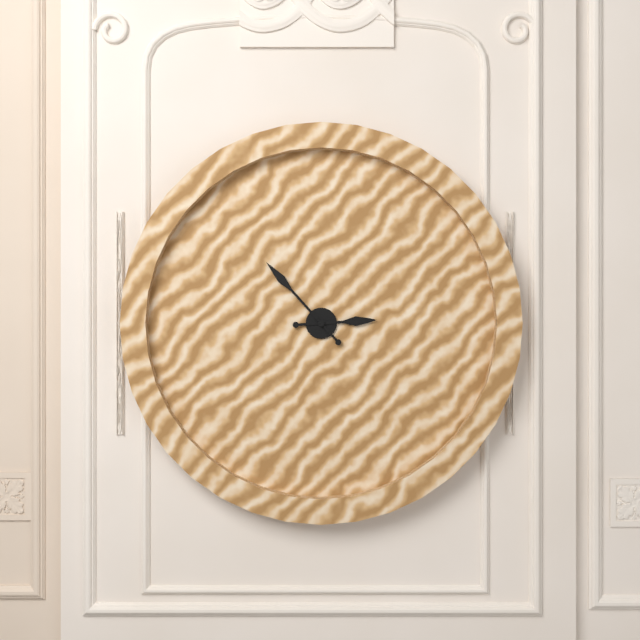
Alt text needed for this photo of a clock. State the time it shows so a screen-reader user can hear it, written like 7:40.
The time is 2:53
